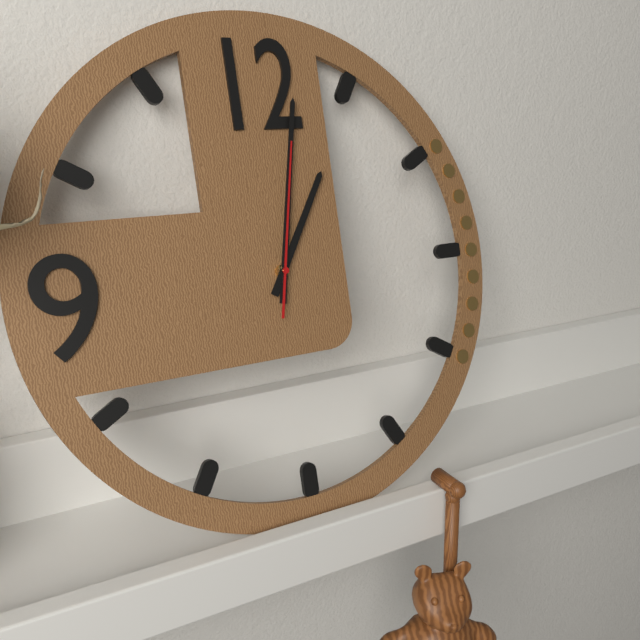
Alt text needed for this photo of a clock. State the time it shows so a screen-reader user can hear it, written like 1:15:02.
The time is 1:02:02
